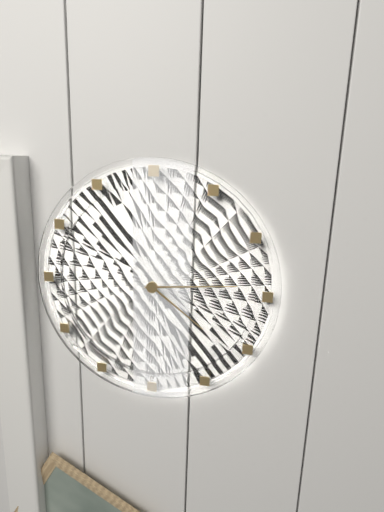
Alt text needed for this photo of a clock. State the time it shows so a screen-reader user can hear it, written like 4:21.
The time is 4:14
